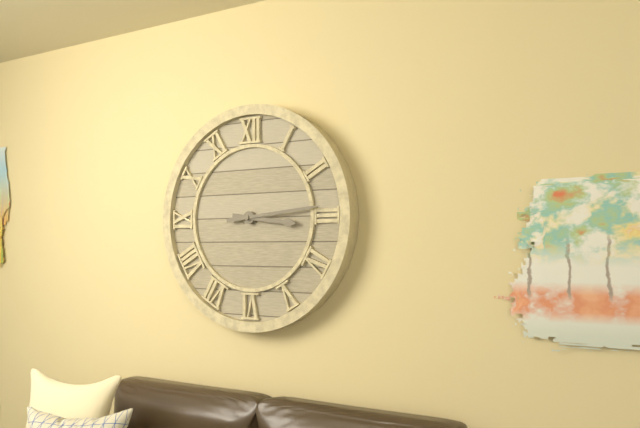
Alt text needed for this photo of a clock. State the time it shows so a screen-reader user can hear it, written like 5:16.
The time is 3:14
